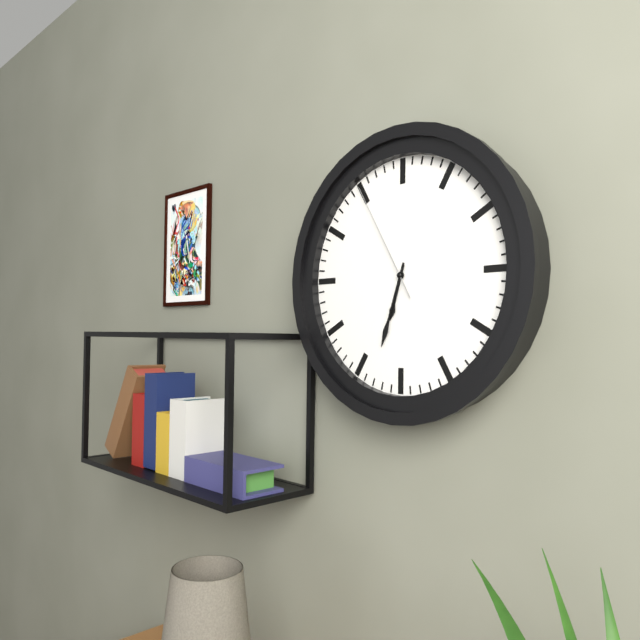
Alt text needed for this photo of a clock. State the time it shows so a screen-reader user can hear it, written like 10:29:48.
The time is 6:33:55
